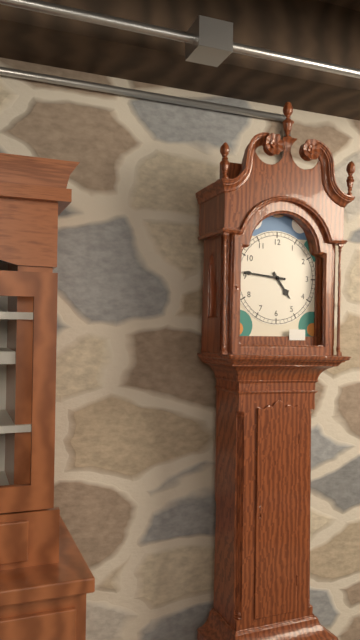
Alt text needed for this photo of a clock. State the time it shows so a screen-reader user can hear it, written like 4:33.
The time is 4:46
